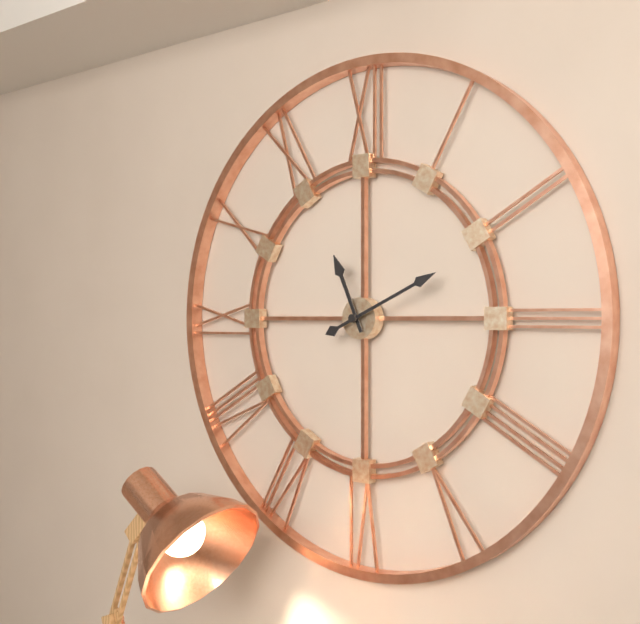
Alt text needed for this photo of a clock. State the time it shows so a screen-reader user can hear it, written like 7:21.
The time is 11:11
